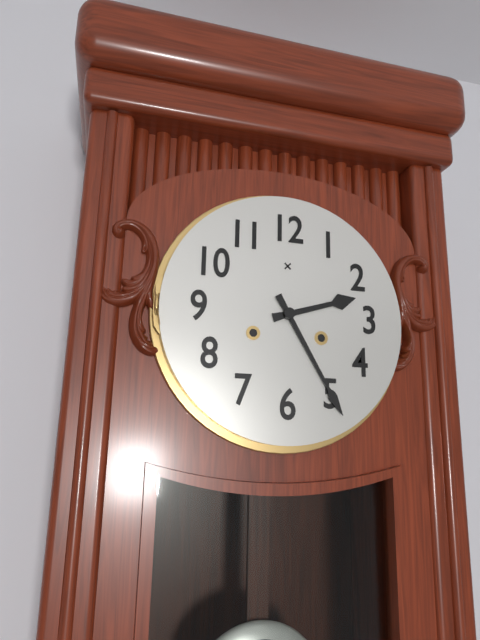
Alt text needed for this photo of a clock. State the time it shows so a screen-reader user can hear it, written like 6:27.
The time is 2:25
